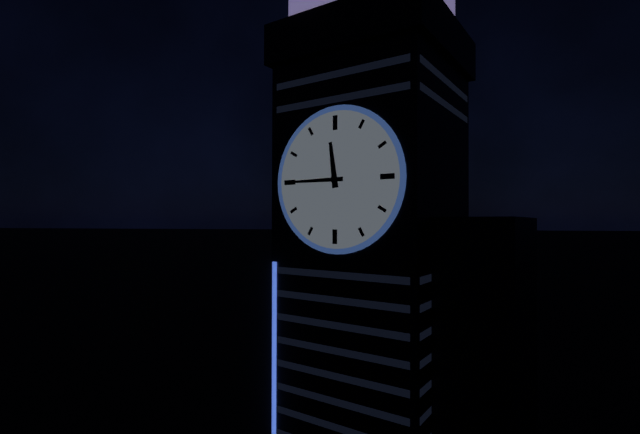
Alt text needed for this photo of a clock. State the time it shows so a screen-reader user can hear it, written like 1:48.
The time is 11:45
